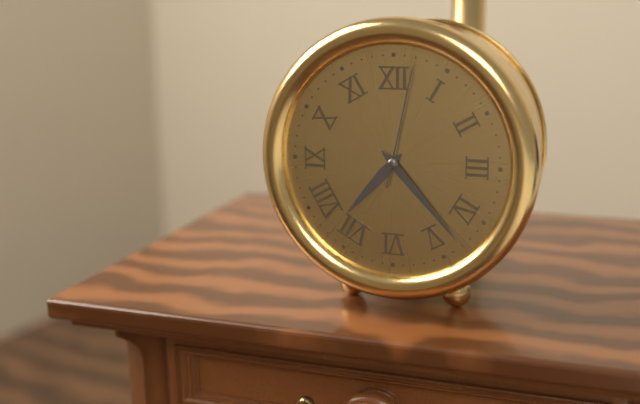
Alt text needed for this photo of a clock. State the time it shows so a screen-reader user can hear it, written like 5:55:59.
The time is 7:23:02
